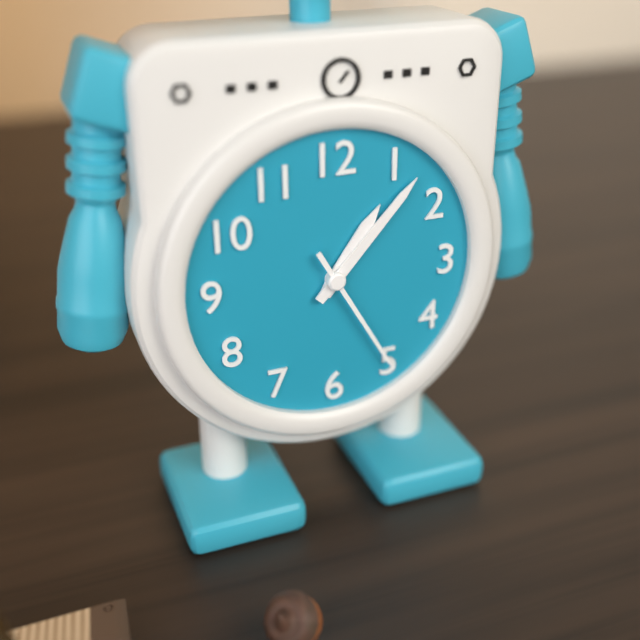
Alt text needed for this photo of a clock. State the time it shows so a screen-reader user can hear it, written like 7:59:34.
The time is 1:07:25
